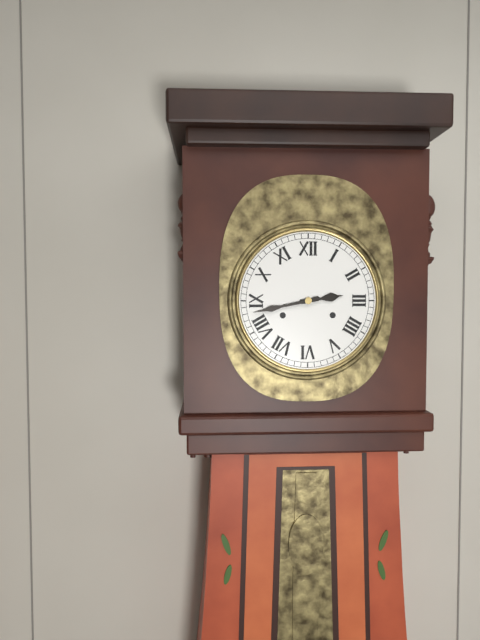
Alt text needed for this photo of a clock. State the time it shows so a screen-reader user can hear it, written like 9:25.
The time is 2:43
